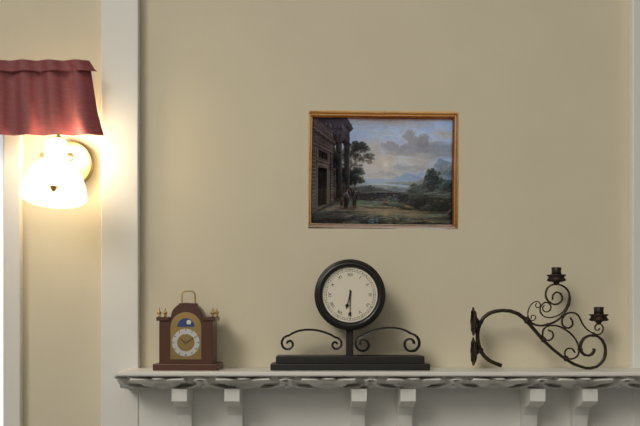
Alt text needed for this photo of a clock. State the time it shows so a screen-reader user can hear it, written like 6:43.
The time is 6:30
